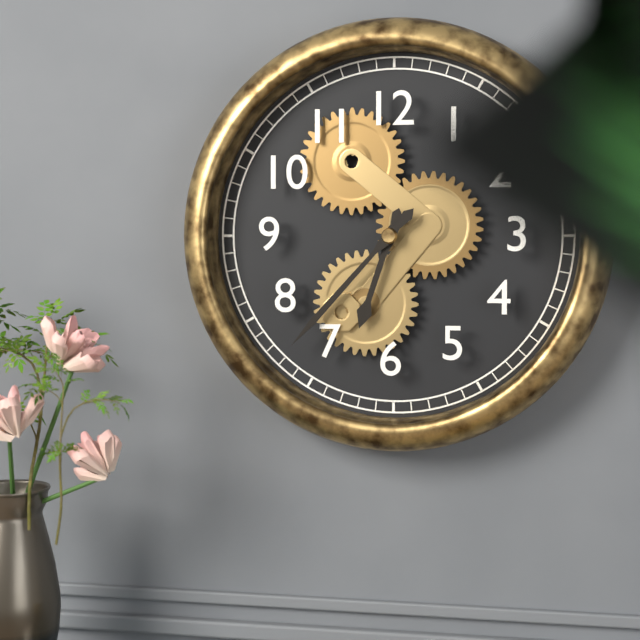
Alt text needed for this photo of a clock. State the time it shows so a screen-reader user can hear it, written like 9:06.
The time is 6:37
